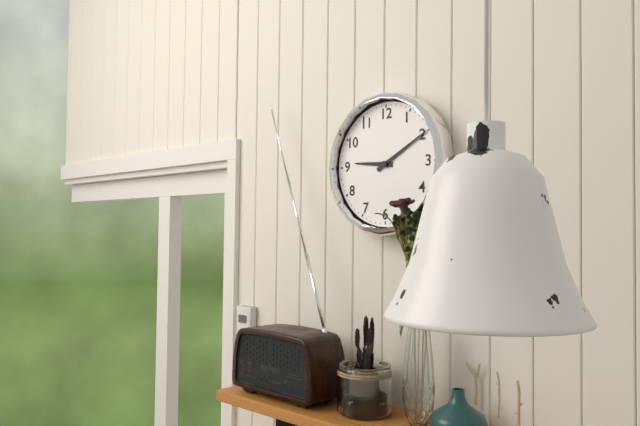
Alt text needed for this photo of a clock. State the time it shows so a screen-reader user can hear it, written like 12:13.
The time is 9:10
